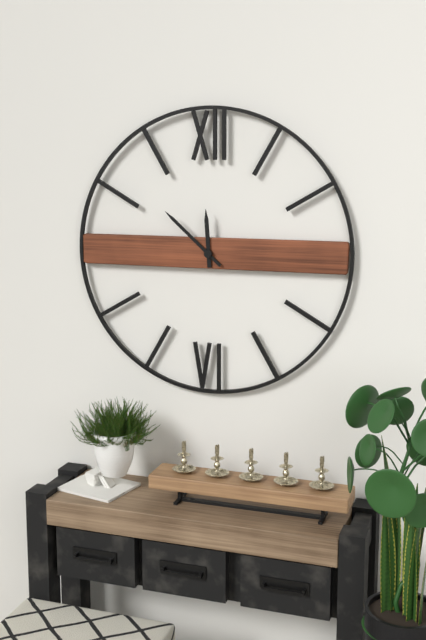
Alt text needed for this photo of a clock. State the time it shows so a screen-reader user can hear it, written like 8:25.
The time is 11:52
